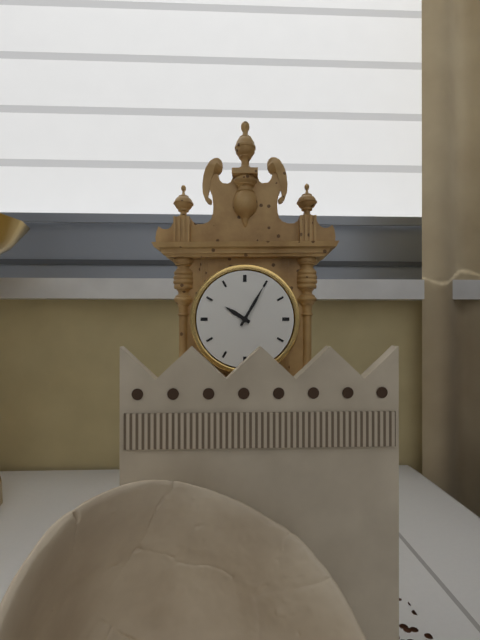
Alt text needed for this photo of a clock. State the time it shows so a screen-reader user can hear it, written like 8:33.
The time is 10:05
